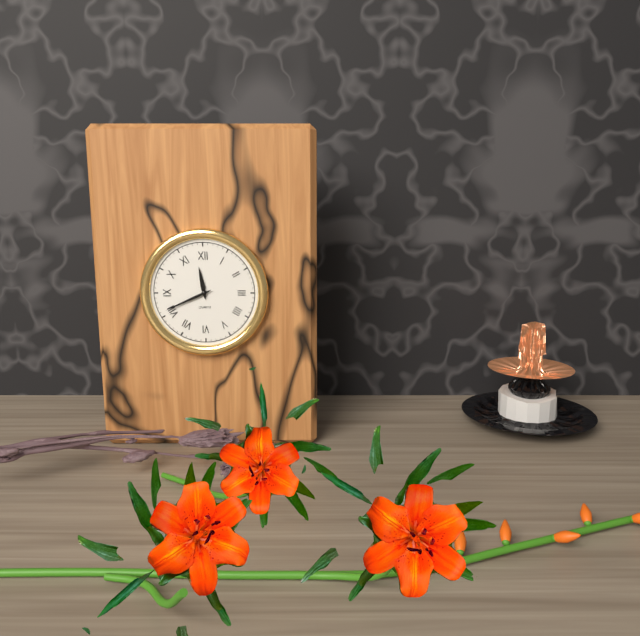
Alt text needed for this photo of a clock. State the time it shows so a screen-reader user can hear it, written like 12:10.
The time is 11:41
